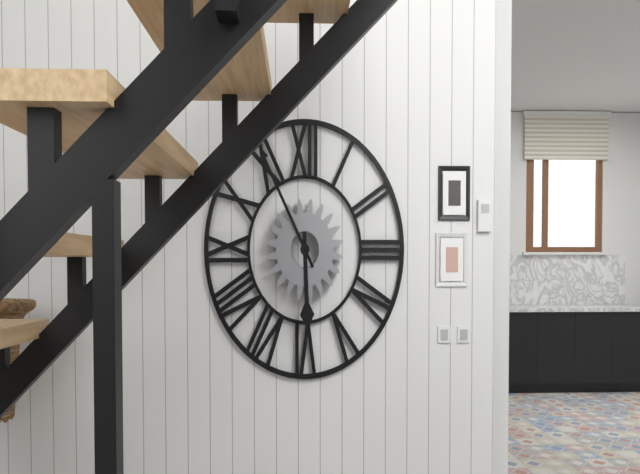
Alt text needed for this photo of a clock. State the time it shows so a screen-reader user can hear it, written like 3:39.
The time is 5:55
